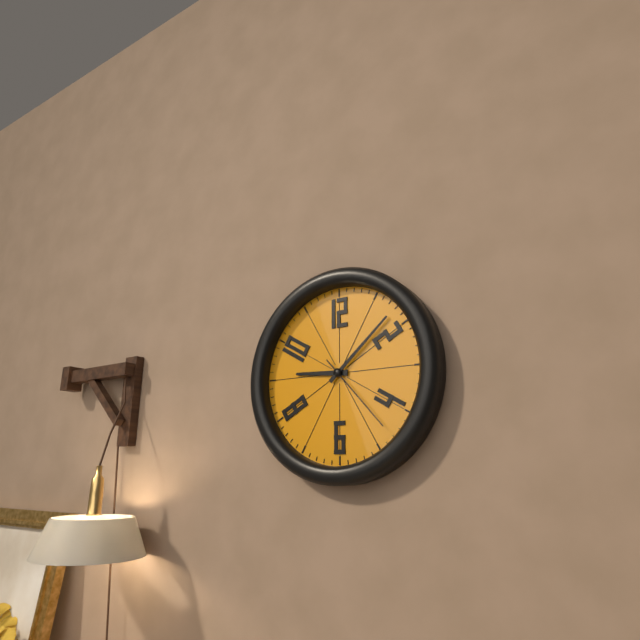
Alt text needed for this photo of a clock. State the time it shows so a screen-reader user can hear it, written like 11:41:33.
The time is 9:08:23
